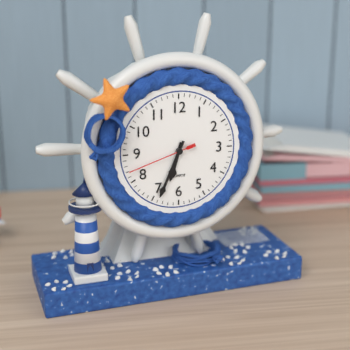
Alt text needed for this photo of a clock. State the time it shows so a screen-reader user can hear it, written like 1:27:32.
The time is 6:34:42
